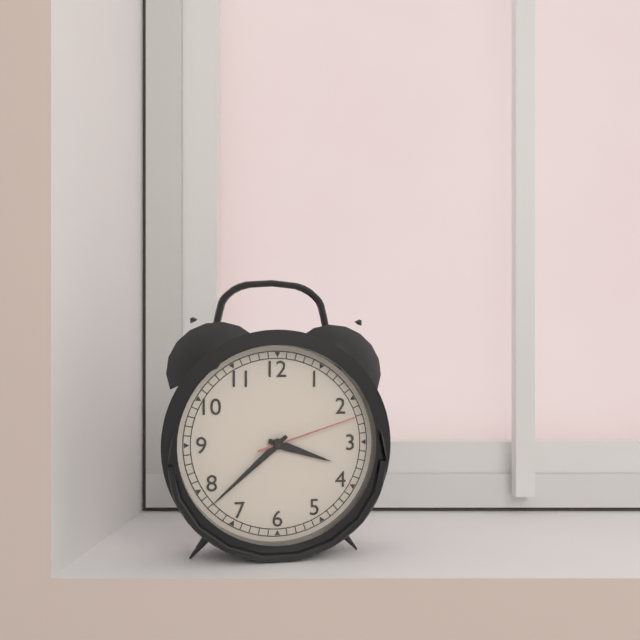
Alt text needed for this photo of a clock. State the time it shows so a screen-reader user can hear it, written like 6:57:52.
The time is 3:38:12
